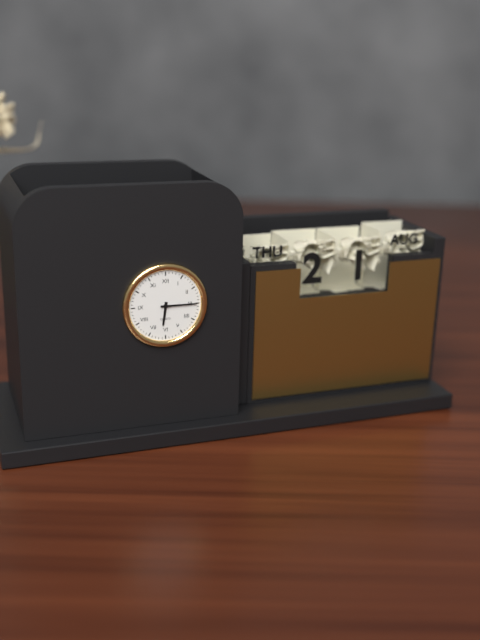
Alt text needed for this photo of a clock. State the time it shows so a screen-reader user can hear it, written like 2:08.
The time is 6:15
